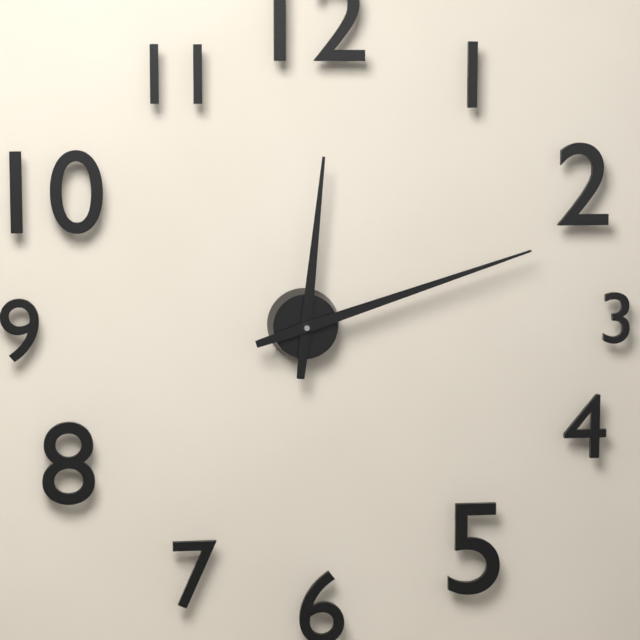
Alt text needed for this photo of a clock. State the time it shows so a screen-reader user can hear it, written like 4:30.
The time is 12:12
